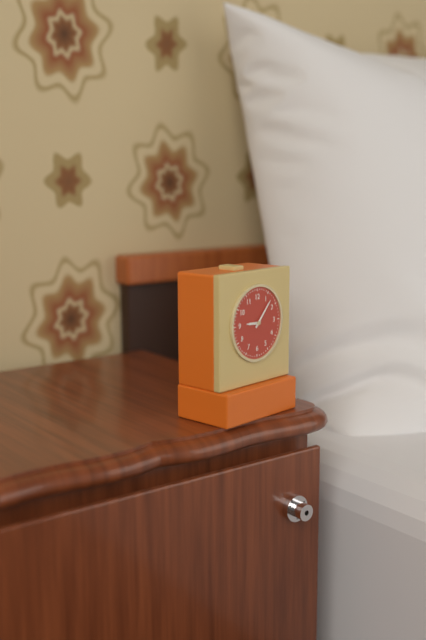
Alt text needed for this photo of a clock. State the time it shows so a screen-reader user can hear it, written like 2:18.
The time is 9:07
